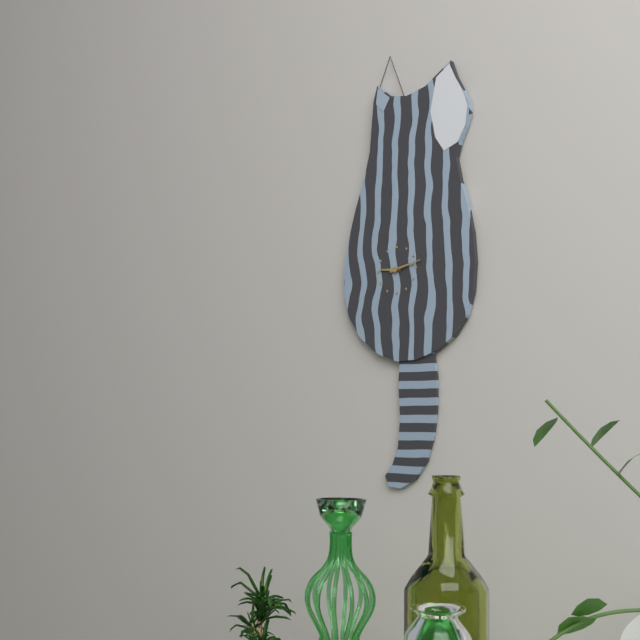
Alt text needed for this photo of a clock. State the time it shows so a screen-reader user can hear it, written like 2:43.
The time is 9:13
